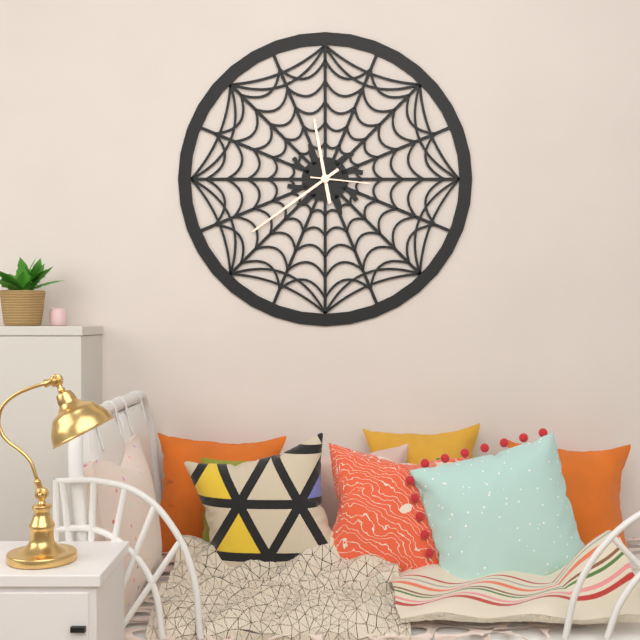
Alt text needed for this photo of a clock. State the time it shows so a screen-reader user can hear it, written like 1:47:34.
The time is 11:39:16
